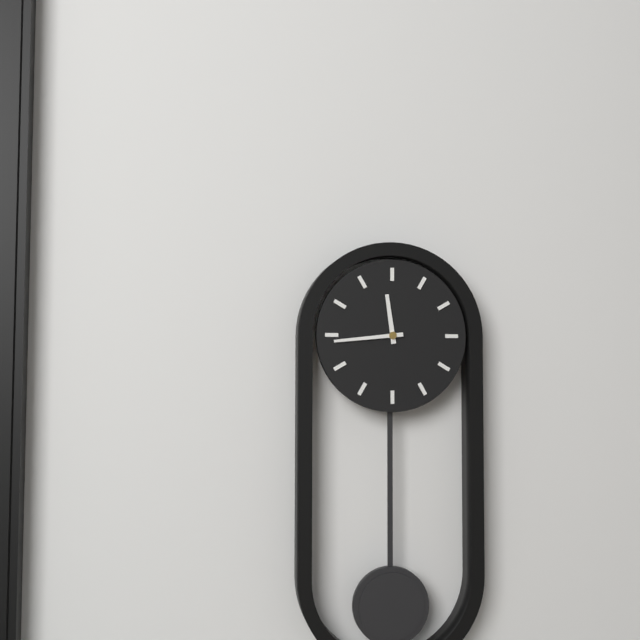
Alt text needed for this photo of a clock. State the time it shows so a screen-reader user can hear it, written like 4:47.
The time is 11:44
